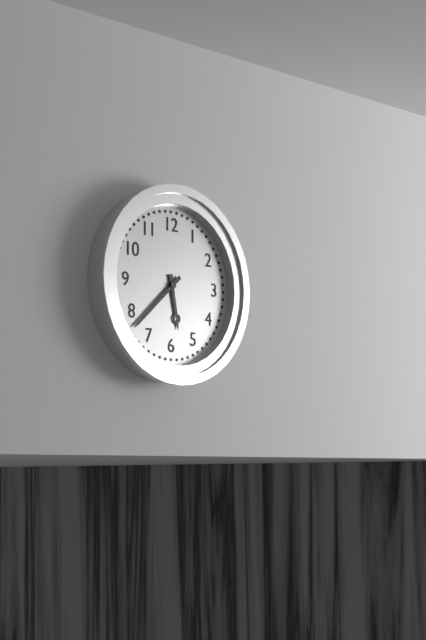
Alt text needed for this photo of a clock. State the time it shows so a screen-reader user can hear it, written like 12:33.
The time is 5:38
